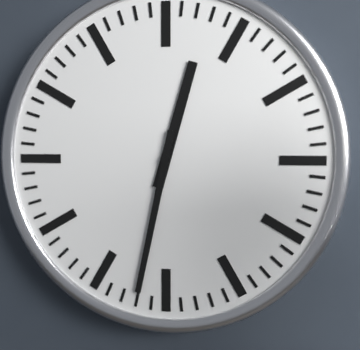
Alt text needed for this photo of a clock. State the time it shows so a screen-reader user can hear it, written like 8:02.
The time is 12:32
